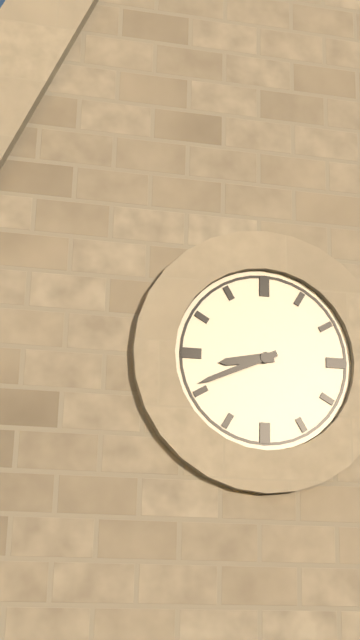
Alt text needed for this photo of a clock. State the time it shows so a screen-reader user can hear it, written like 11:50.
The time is 8:41
